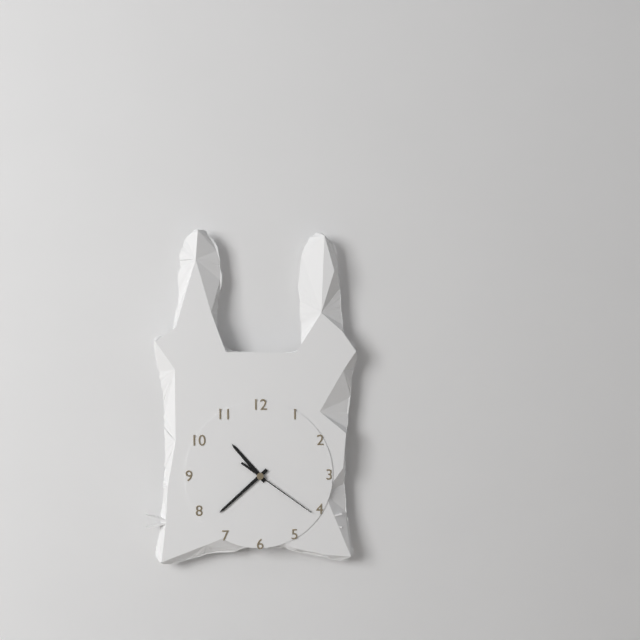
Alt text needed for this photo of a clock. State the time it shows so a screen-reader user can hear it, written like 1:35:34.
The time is 10:38:21
